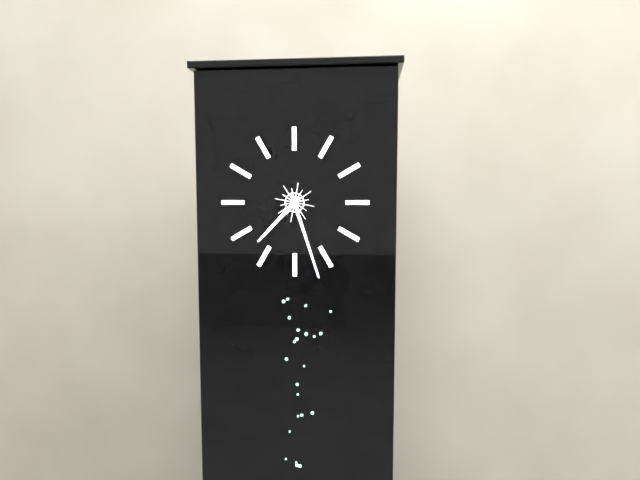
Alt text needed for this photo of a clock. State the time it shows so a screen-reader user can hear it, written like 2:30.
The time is 7:27
